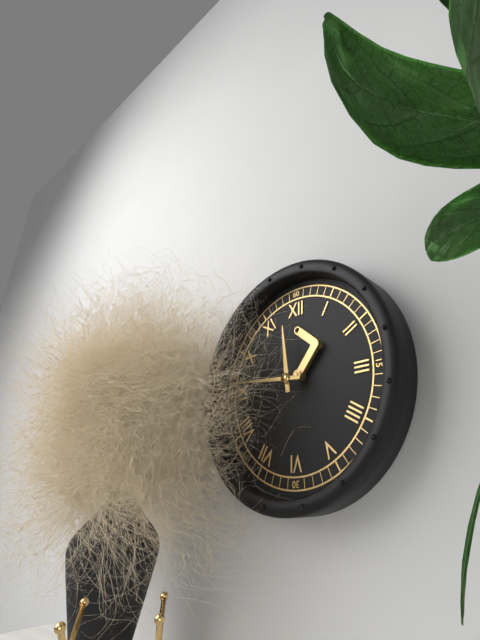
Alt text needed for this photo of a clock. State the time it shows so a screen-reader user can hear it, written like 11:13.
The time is 11:46
